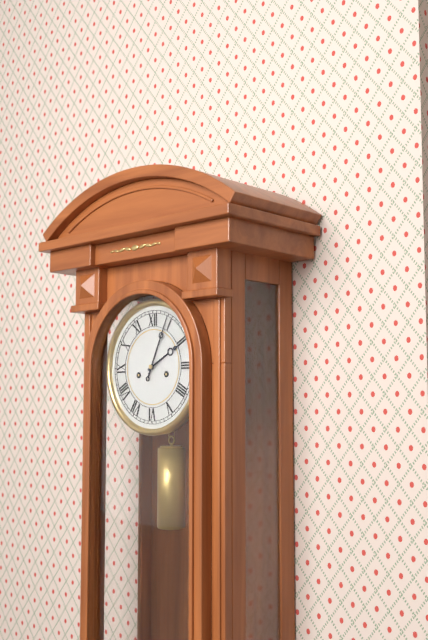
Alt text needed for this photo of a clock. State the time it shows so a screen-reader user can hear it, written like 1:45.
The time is 2:04
